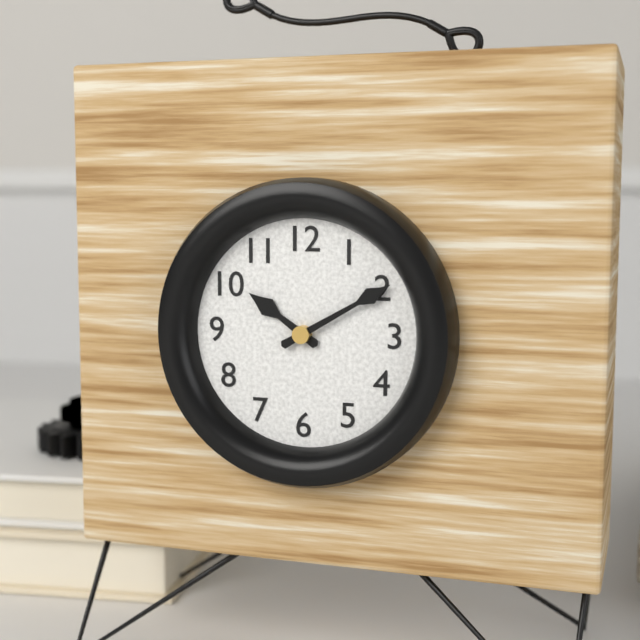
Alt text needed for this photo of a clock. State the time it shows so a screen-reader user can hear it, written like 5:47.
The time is 10:10
